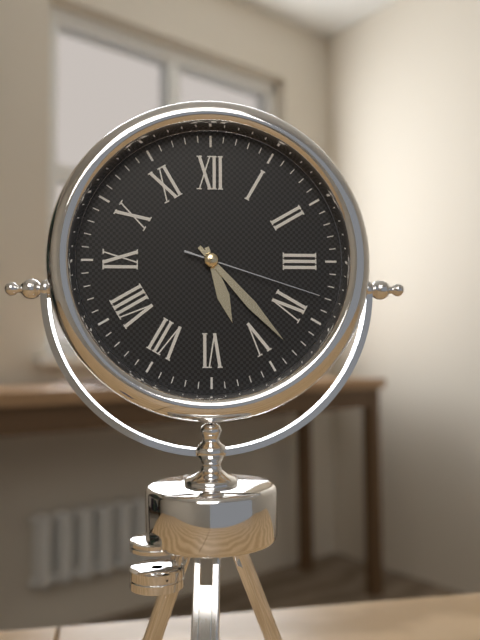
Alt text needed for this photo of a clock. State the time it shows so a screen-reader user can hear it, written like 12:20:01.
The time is 5:23:18
